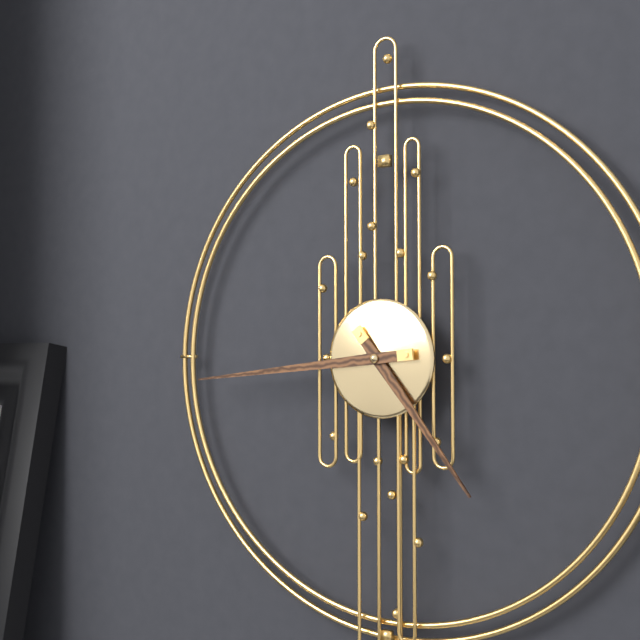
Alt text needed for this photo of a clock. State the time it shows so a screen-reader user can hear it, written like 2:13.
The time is 4:44
